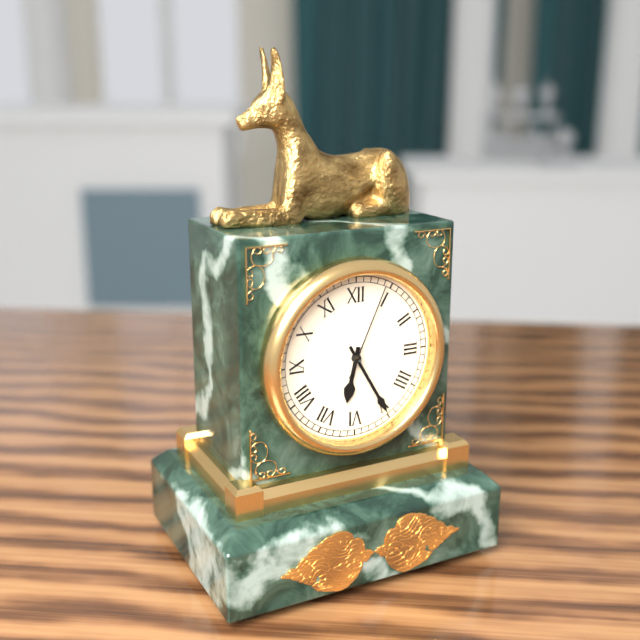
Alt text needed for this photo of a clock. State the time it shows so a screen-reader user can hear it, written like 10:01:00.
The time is 6:25:04
